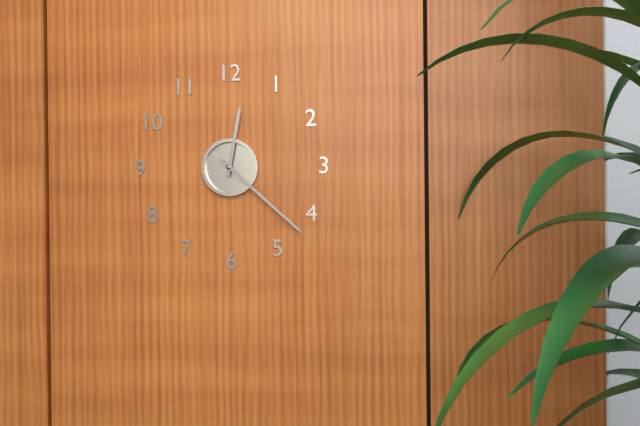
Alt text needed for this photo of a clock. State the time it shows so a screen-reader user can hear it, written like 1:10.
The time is 12:22
